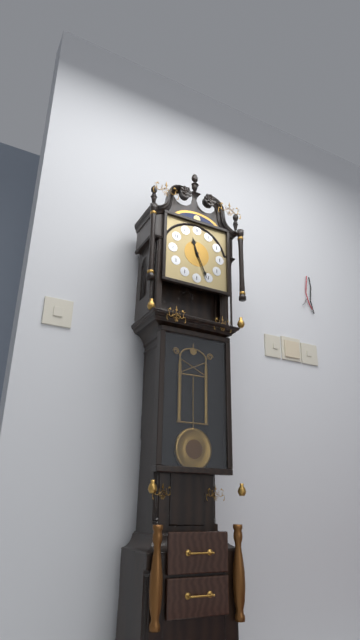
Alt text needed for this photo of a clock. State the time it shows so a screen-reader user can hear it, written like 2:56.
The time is 11:26
